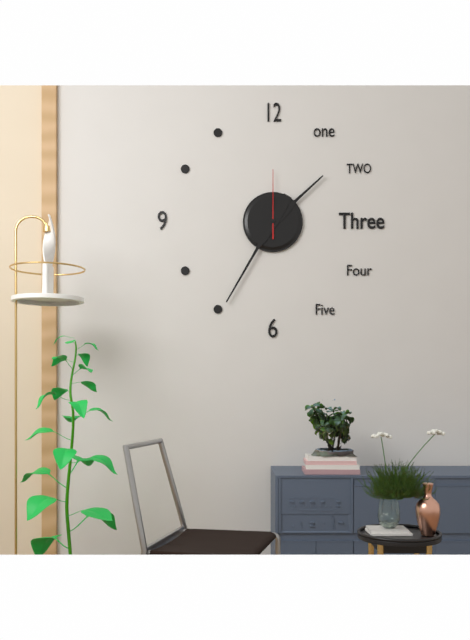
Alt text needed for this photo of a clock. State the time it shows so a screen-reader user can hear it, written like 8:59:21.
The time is 1:35:00
